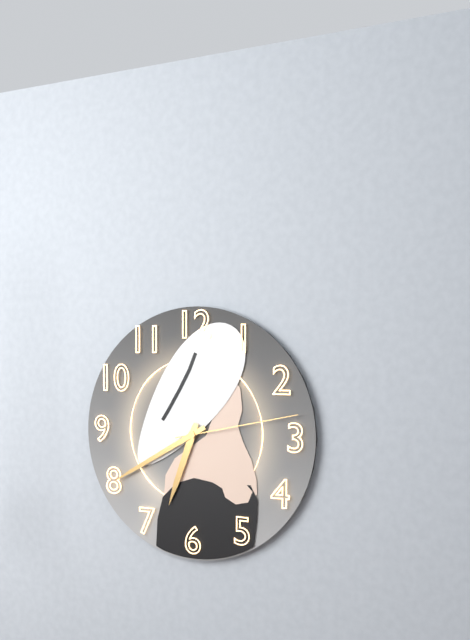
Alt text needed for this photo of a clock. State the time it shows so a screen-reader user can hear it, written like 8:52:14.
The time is 6:40:13
